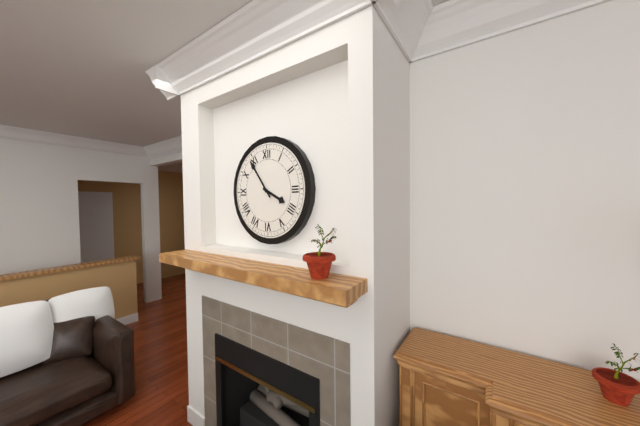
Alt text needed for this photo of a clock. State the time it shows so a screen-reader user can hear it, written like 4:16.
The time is 3:54
